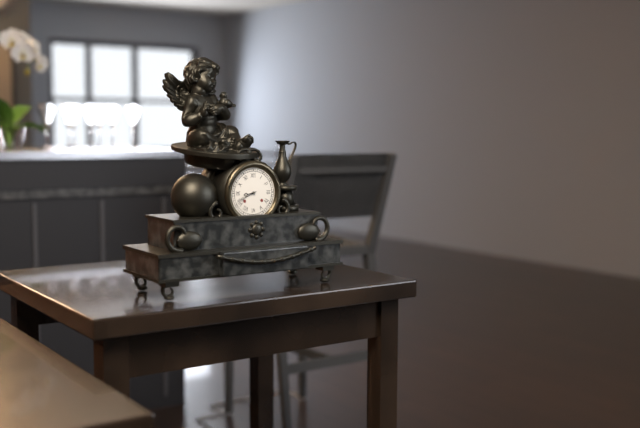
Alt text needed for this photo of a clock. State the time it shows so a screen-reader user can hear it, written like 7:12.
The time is 8:41
